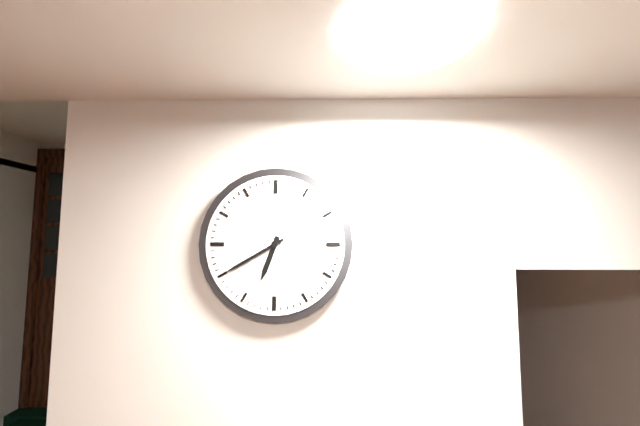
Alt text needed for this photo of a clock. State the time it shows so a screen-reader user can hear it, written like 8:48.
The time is 6:40
